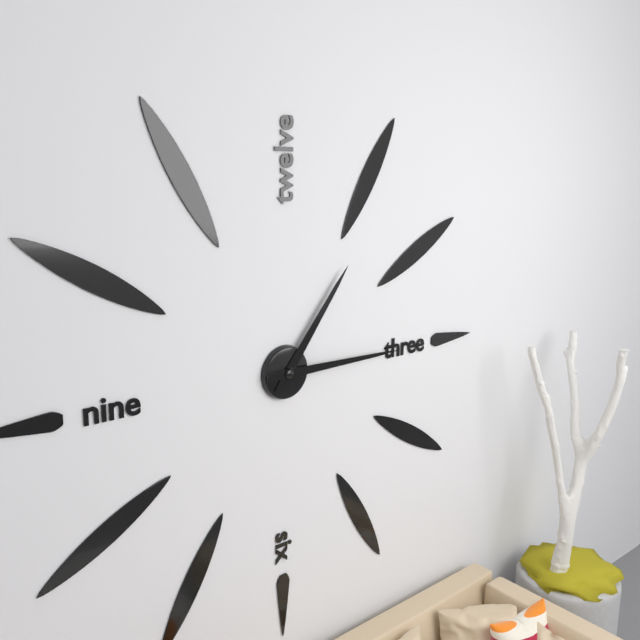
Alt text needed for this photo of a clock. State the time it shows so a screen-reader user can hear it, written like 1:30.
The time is 1:15
